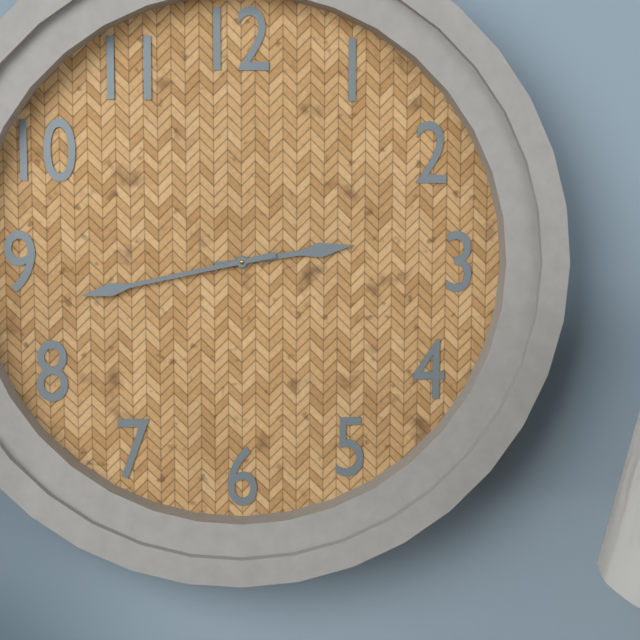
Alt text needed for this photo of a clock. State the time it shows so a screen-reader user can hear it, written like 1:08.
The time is 2:43
